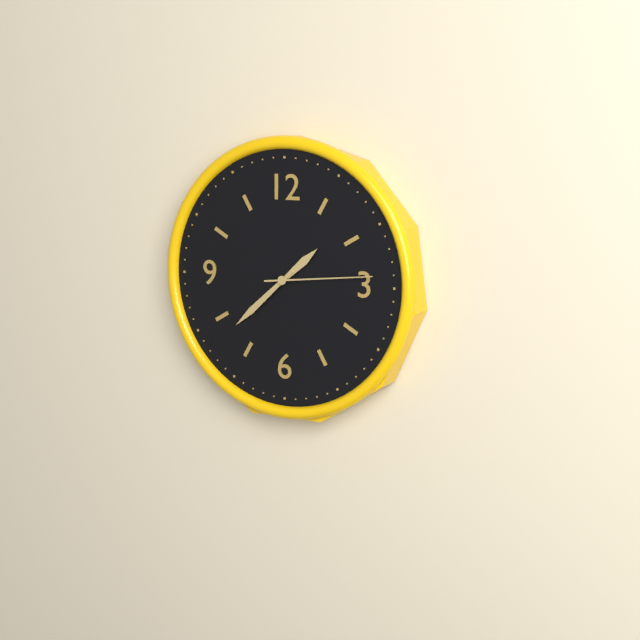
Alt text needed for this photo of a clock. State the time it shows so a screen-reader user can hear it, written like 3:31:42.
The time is 1:38:14
